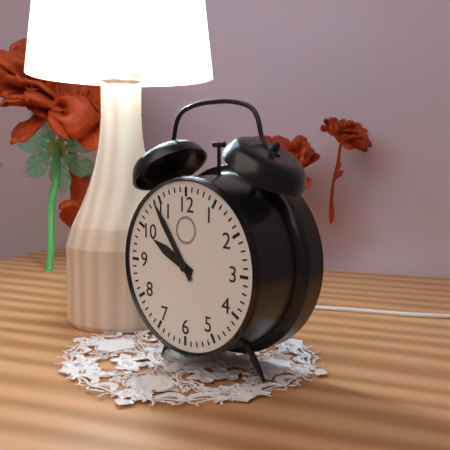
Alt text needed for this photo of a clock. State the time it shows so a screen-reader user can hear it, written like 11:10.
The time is 9:54
